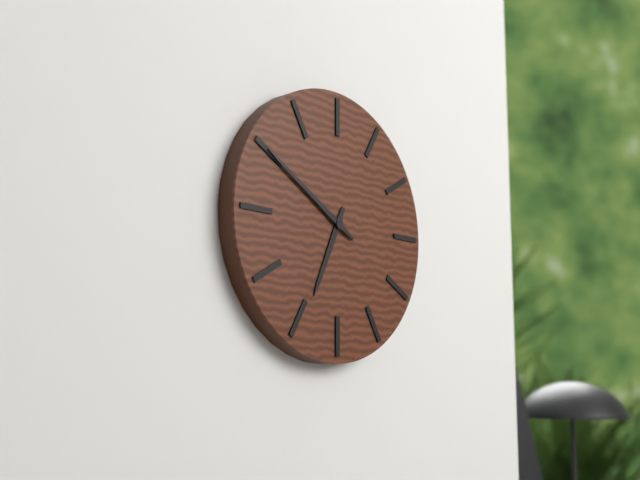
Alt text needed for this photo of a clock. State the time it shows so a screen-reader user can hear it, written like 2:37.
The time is 6:50
